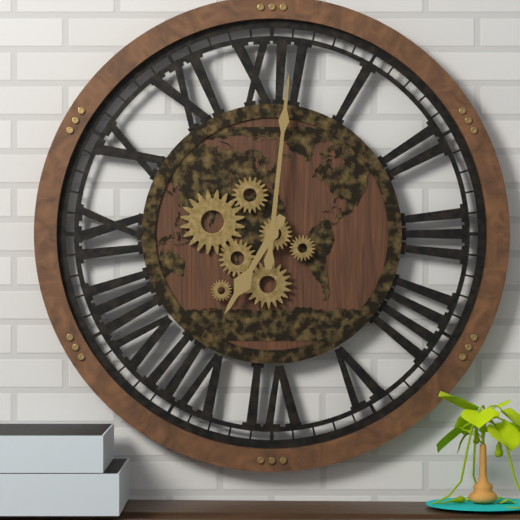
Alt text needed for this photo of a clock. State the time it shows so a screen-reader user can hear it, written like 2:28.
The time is 7:01
